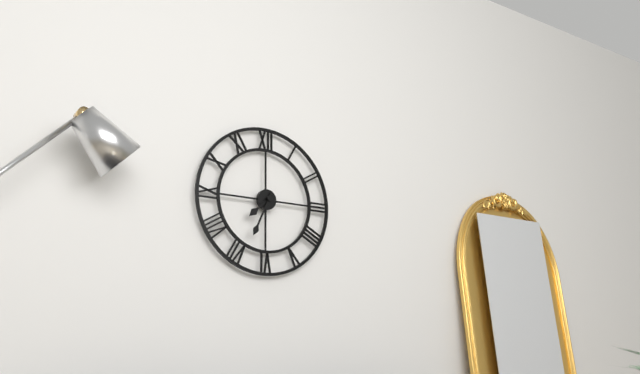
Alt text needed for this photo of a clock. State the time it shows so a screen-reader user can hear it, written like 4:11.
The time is 7:34
